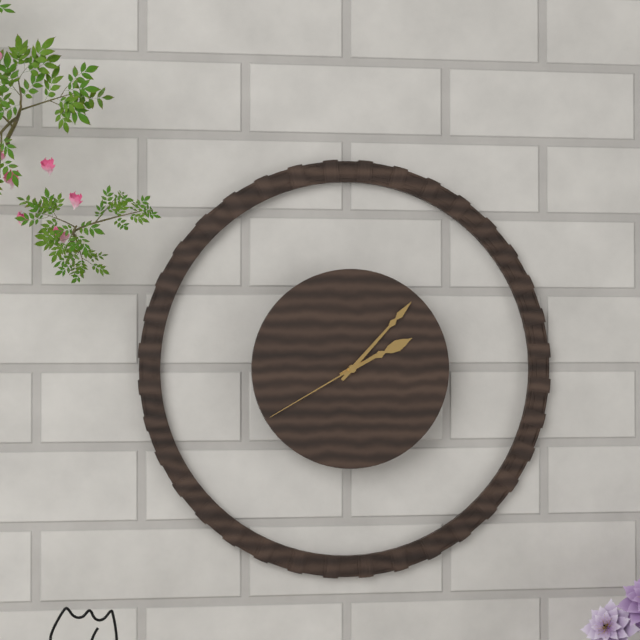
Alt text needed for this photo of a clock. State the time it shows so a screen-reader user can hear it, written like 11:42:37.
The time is 2:07:40
